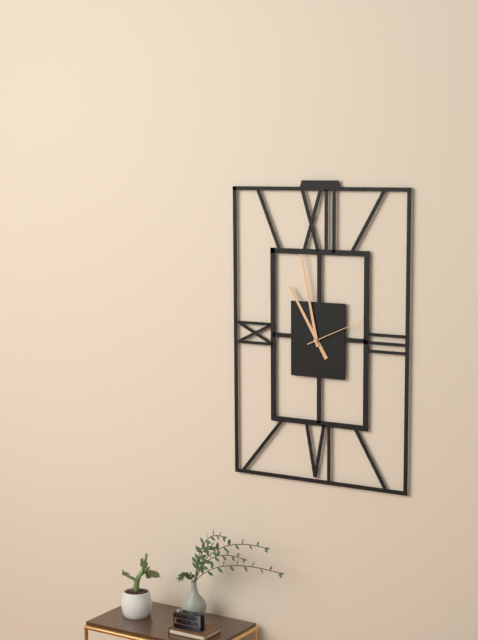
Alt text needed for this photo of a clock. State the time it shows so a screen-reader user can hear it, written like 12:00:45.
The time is 10:58:11
